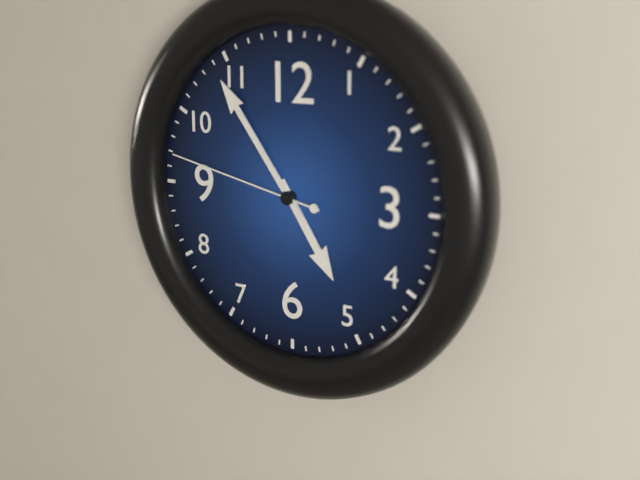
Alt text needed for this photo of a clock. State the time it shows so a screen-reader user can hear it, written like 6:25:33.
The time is 4:54:47
